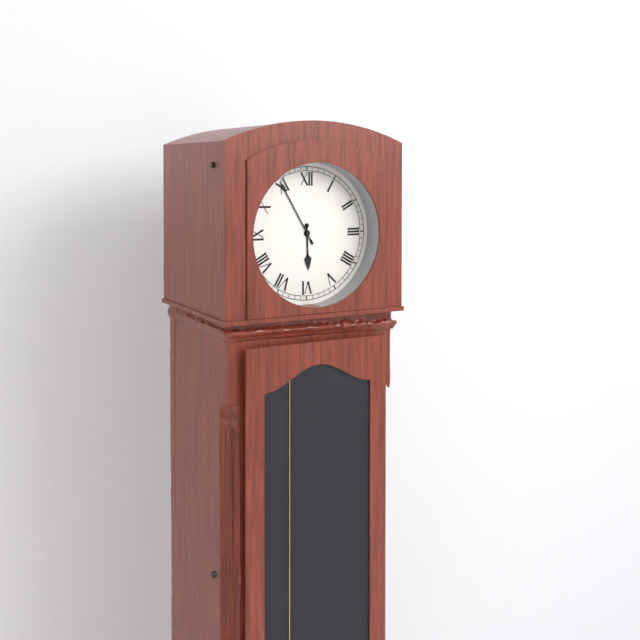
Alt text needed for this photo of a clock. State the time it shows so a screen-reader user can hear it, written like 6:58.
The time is 5:55
